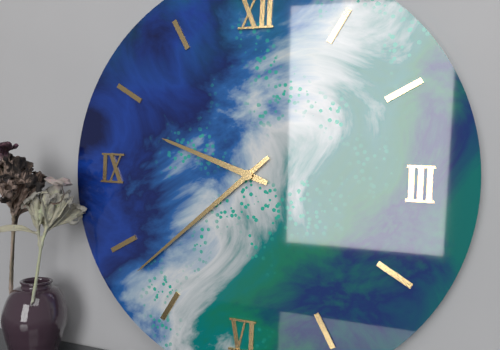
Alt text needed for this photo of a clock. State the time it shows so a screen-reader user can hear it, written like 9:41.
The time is 9:38
